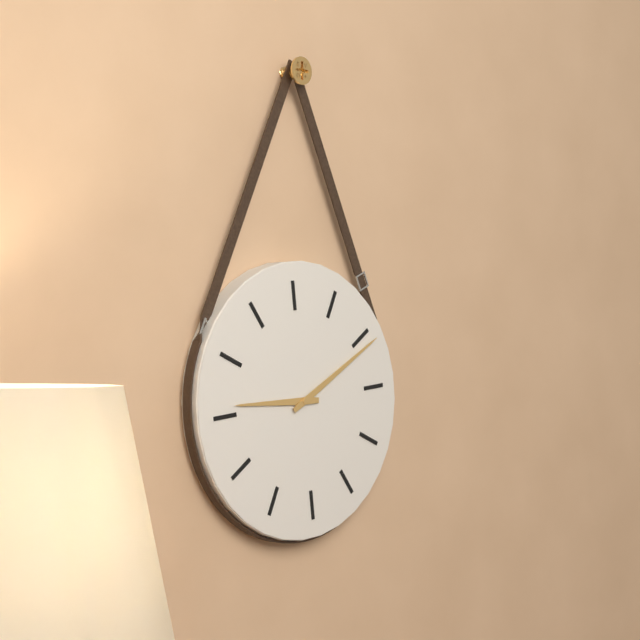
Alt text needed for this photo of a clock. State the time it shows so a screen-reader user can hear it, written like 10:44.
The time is 9:11
